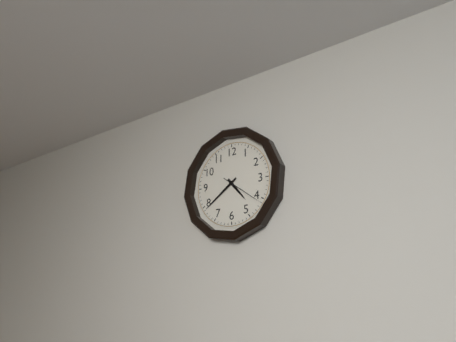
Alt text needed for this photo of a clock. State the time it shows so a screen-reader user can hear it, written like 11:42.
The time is 4:39
